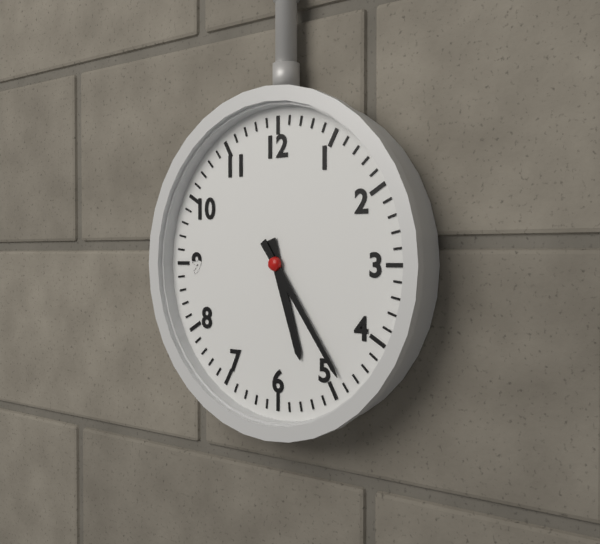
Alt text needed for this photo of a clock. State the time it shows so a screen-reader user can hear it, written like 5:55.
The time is 5:24
